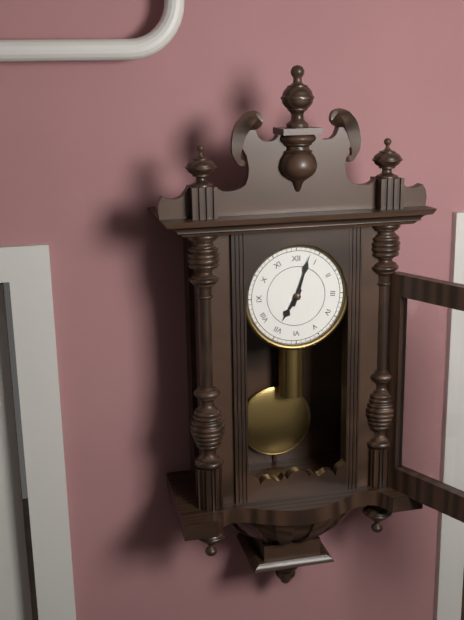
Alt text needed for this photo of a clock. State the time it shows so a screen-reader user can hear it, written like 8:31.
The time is 7:03
